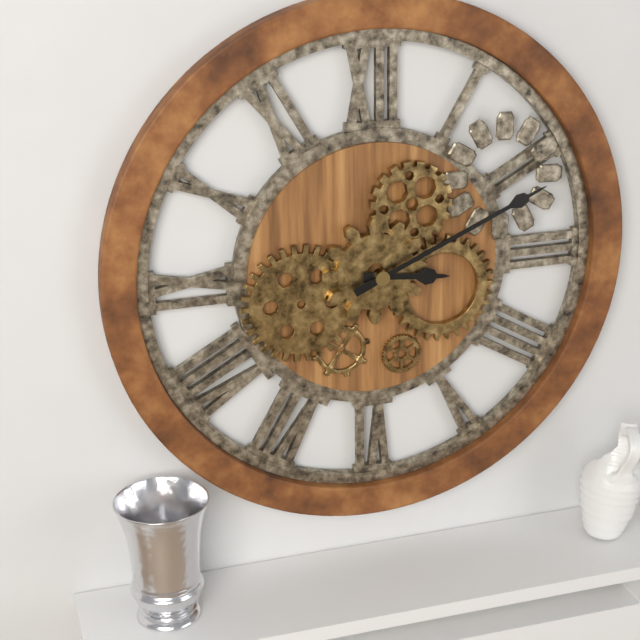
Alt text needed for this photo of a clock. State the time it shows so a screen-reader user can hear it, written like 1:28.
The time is 3:11
